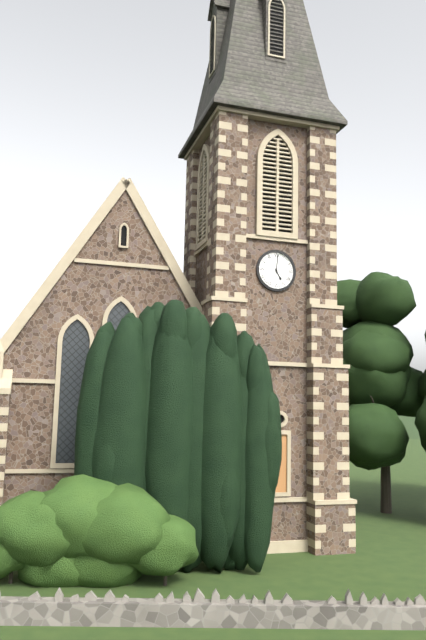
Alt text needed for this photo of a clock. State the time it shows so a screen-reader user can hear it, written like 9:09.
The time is 5:01
